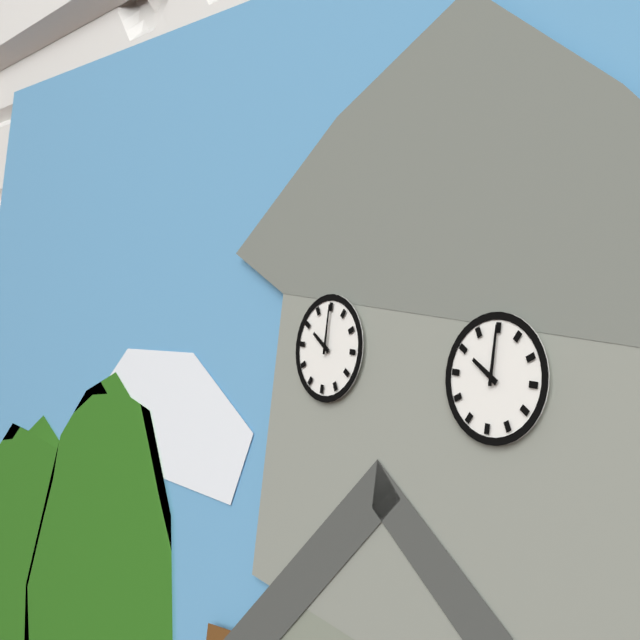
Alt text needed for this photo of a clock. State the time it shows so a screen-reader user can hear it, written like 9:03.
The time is 10:00
